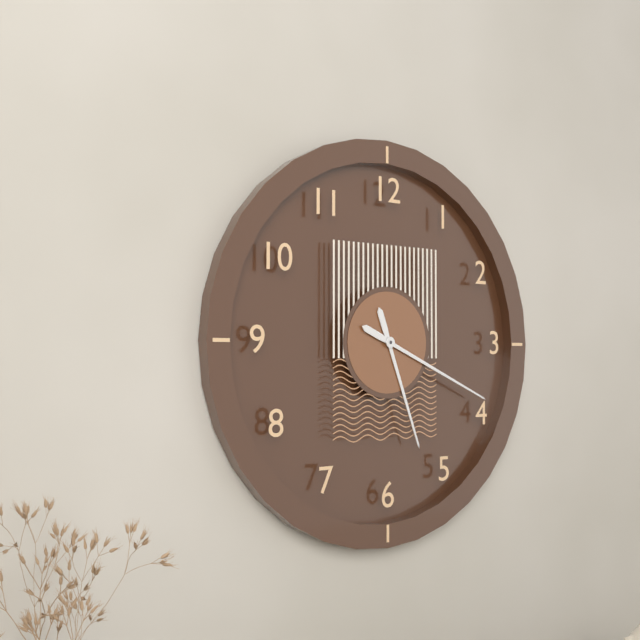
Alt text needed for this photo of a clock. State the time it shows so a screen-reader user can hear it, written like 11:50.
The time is 5:19
